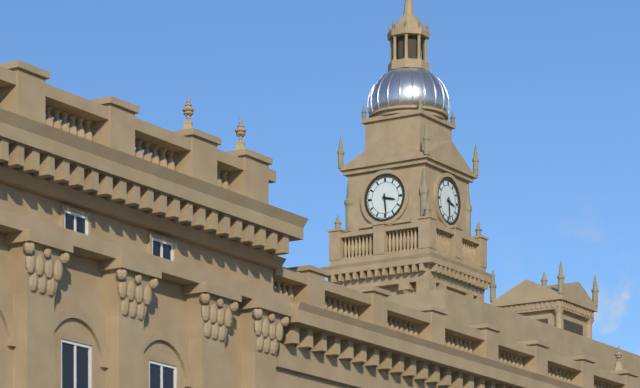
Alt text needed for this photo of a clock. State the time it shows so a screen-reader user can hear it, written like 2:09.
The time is 3:29
